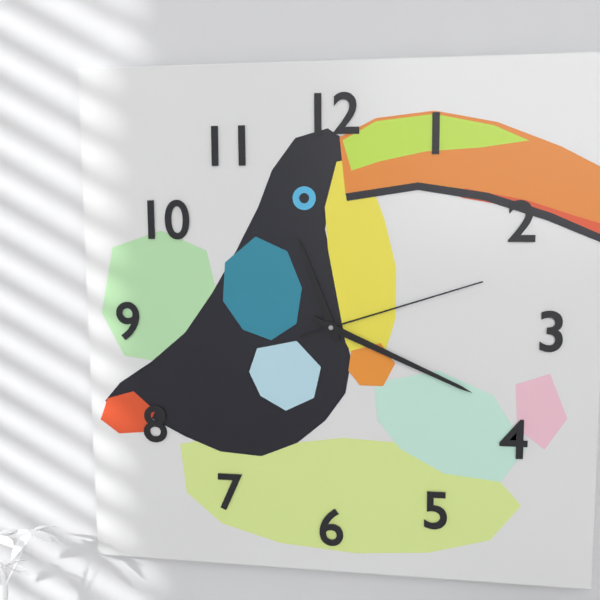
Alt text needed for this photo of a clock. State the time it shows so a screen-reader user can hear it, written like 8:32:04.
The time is 11:19:12
